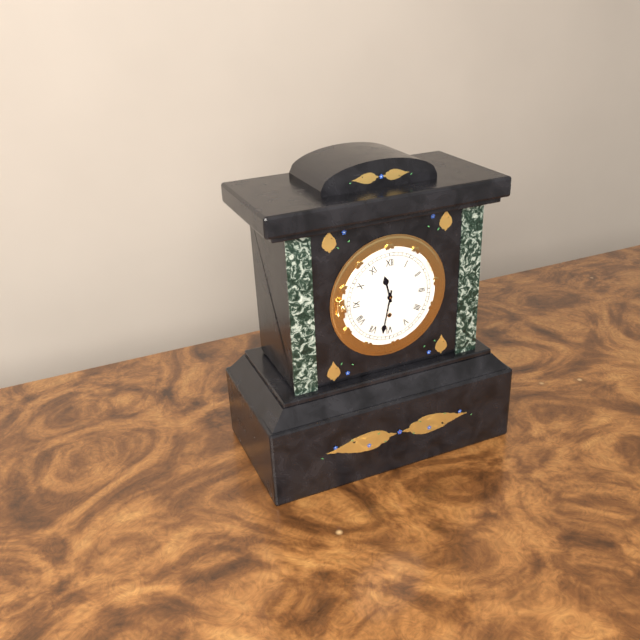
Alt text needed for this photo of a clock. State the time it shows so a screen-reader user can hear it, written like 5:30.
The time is 11:32
